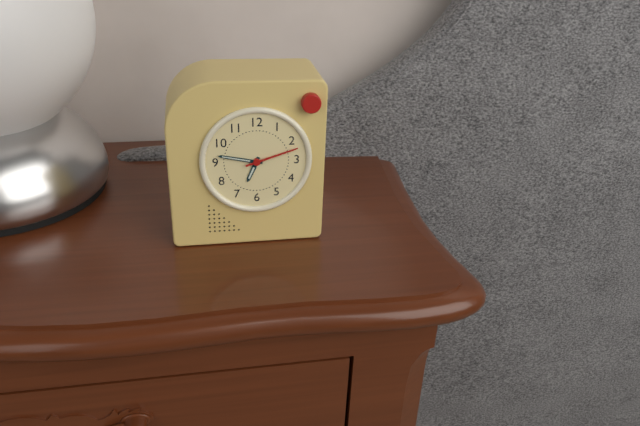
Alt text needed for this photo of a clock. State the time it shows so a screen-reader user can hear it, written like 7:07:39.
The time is 6:47:12
